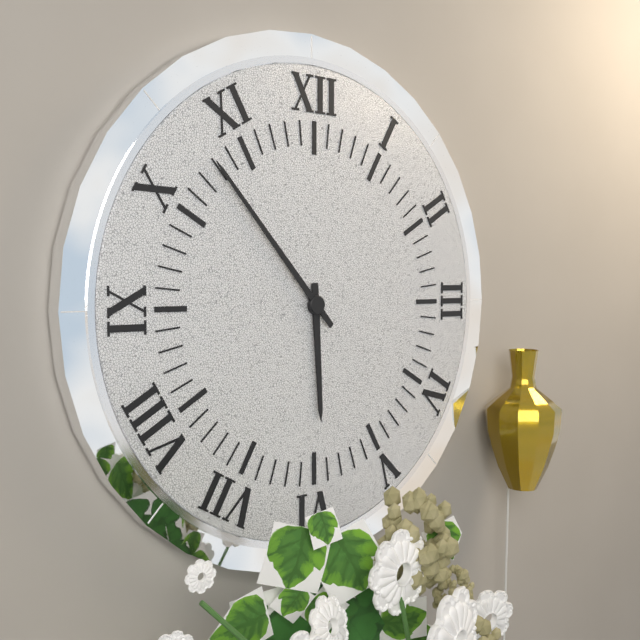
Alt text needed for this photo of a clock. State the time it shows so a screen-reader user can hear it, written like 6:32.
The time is 5:53
